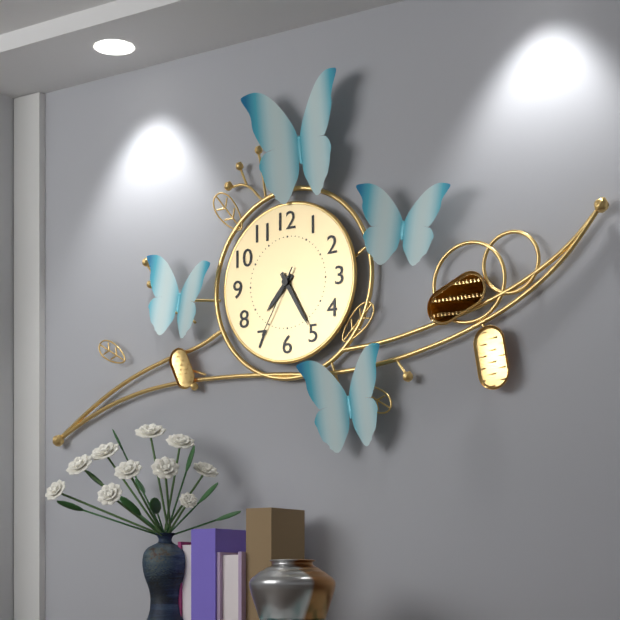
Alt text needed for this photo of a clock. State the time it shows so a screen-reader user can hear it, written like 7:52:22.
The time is 7:25:35
